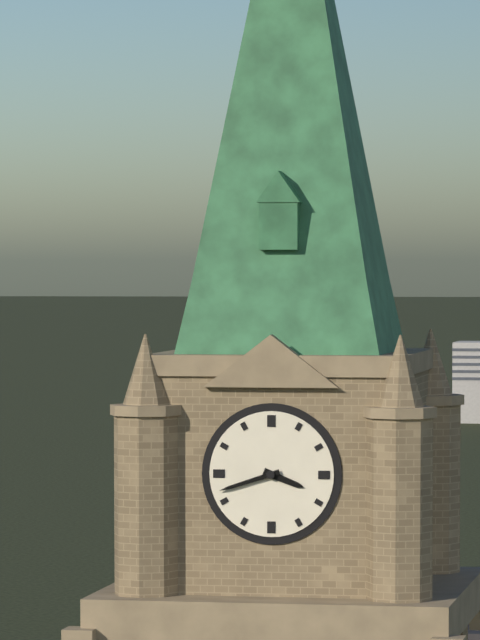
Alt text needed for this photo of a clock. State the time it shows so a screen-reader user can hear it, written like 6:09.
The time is 3:42
